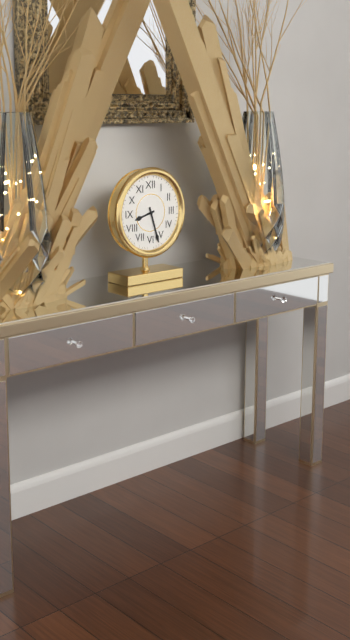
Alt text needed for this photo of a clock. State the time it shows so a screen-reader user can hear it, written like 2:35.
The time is 8:27
